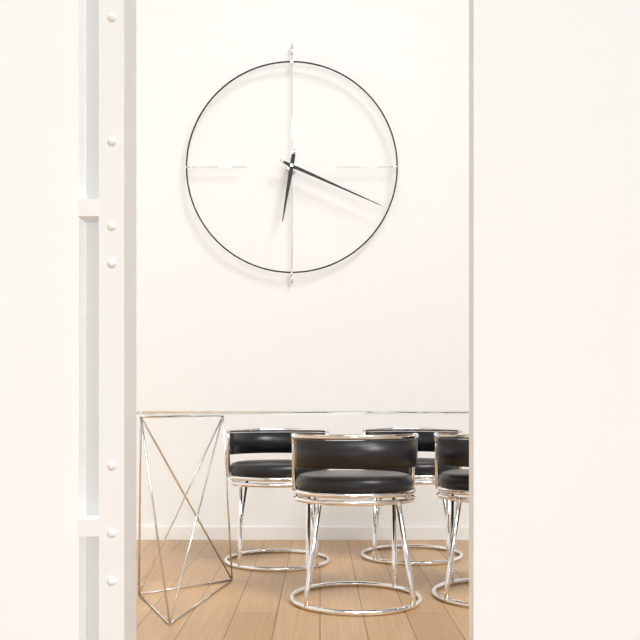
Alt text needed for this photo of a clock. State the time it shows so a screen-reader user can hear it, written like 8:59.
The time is 6:19
